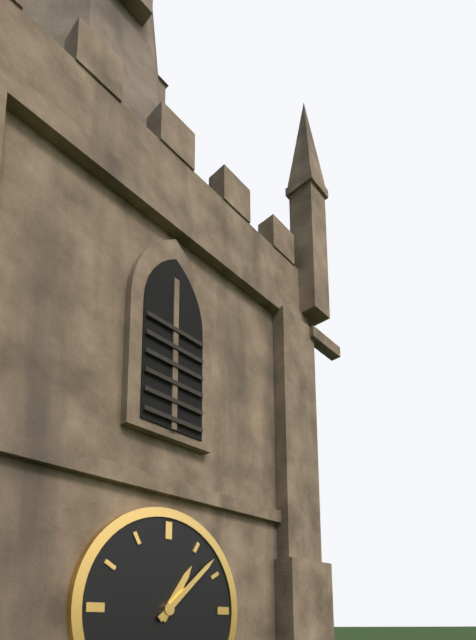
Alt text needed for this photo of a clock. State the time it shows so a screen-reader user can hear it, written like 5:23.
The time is 1:08
